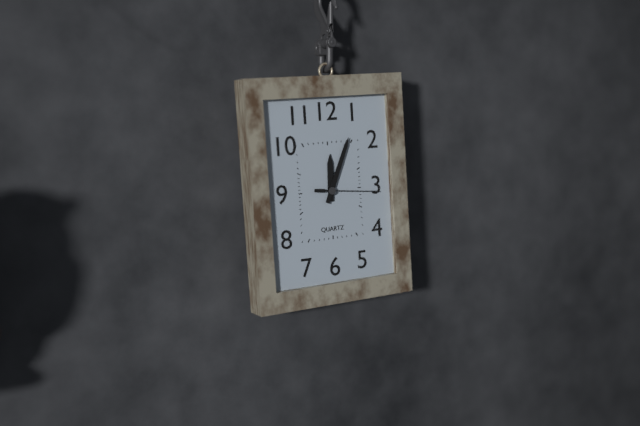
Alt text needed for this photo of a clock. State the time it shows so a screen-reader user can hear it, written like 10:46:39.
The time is 12:04:16
